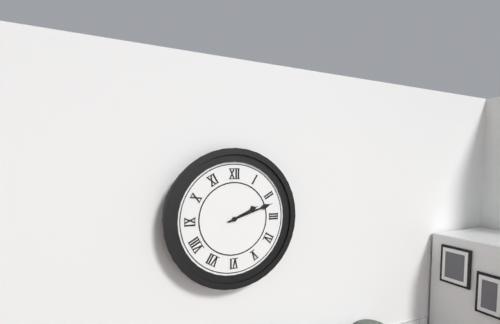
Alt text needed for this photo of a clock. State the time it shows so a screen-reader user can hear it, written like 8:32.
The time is 2:12
